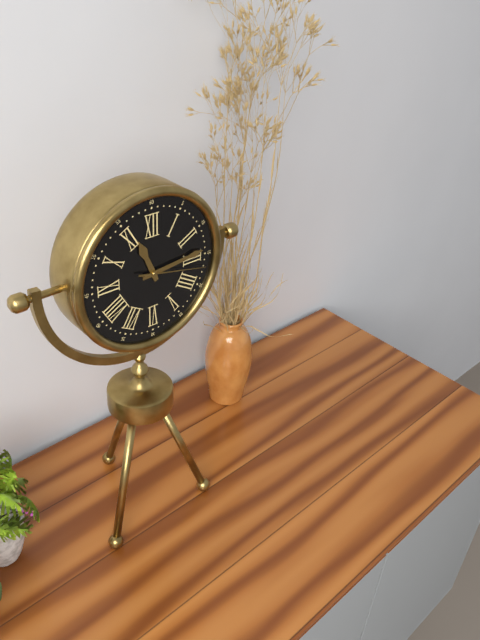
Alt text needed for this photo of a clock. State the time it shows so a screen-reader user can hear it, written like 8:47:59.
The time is 11:14:17
